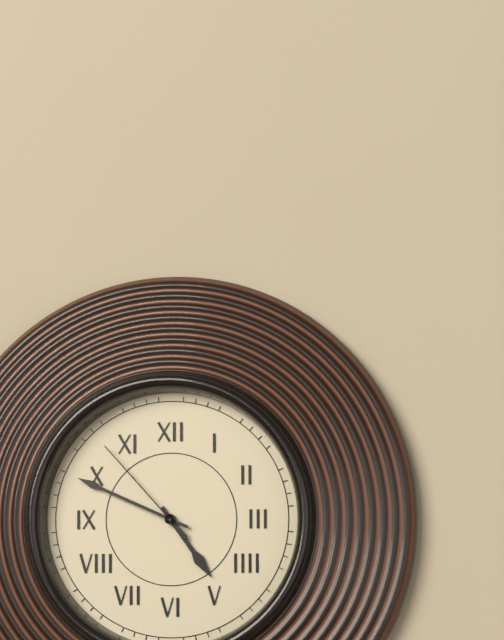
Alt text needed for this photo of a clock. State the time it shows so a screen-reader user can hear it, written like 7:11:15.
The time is 4:49:53
